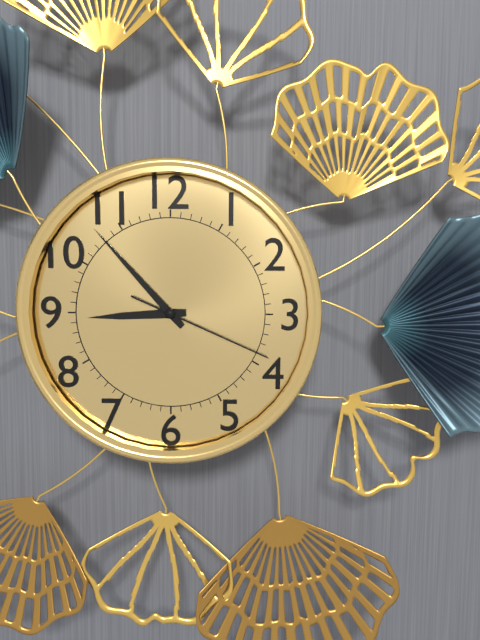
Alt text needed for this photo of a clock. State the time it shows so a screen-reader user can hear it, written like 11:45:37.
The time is 8:53:19
